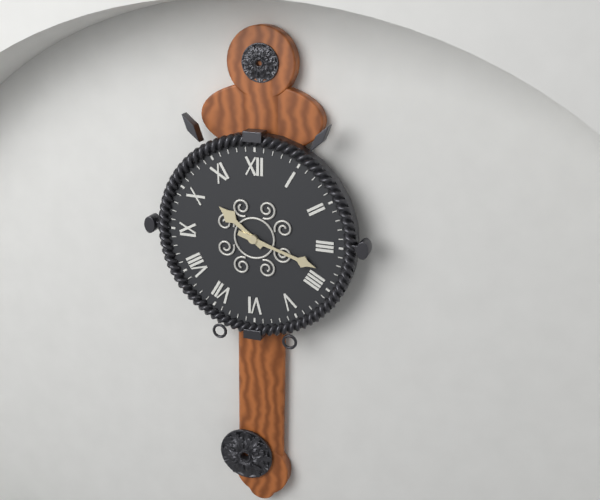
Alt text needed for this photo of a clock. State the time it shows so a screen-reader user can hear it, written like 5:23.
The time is 10:18
